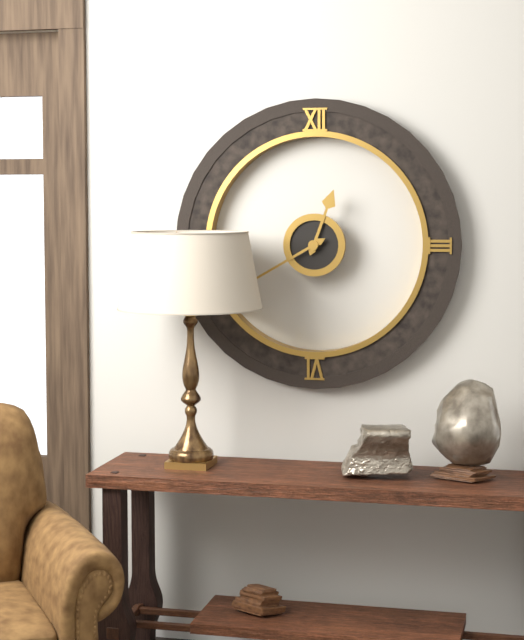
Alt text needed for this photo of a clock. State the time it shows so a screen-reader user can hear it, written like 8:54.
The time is 12:40
